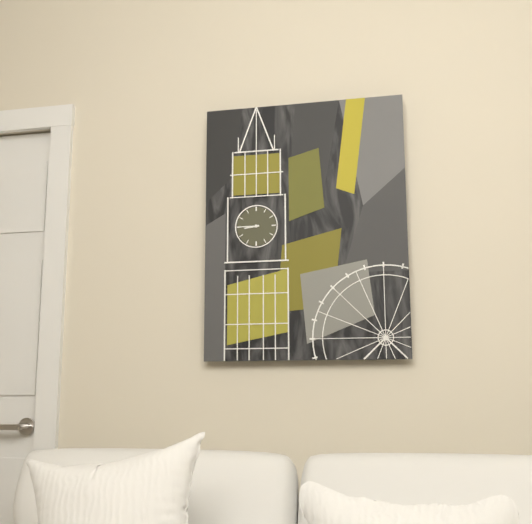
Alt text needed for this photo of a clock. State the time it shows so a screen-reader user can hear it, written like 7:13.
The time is 8:45
